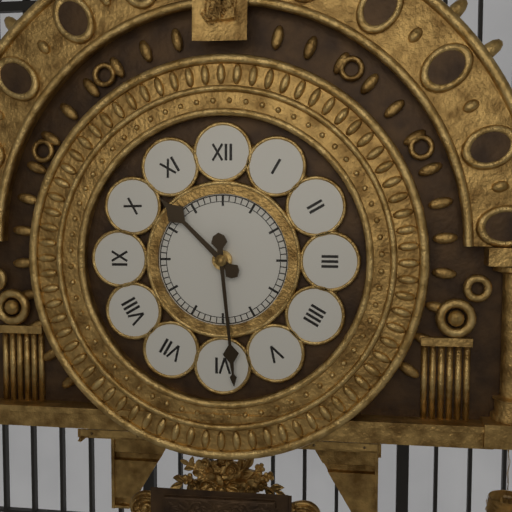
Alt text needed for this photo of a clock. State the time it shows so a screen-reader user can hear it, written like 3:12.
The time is 10:29
